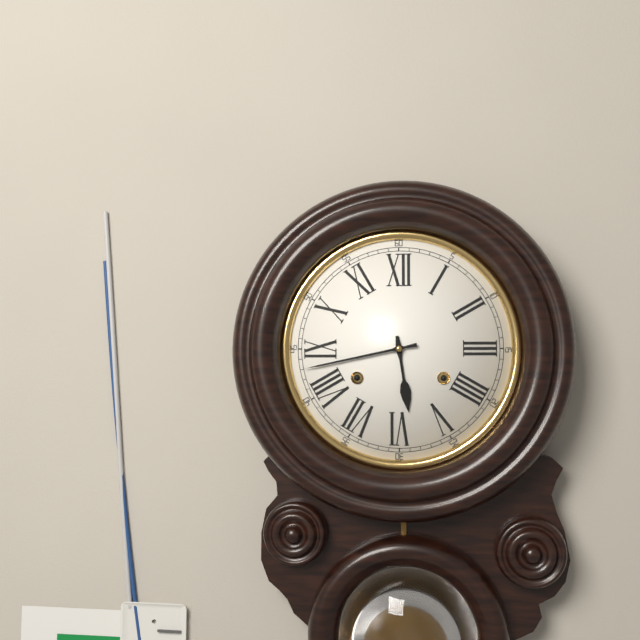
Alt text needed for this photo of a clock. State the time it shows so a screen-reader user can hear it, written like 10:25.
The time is 5:43
